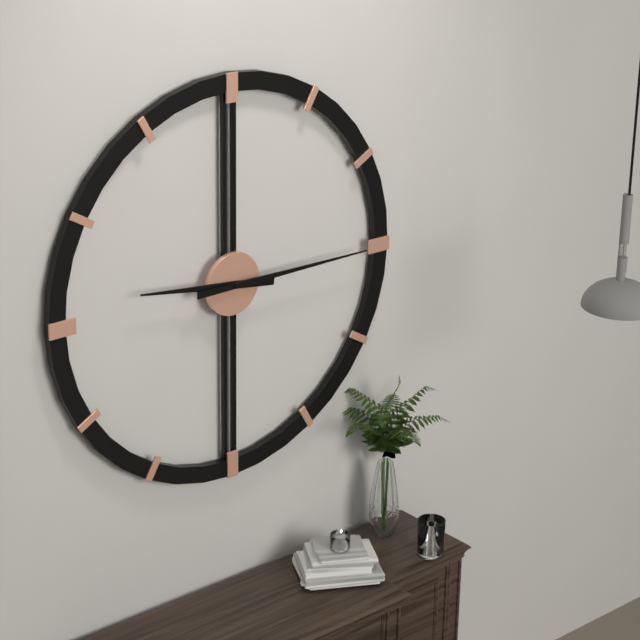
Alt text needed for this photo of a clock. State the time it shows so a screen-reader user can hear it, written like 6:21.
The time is 9:15
